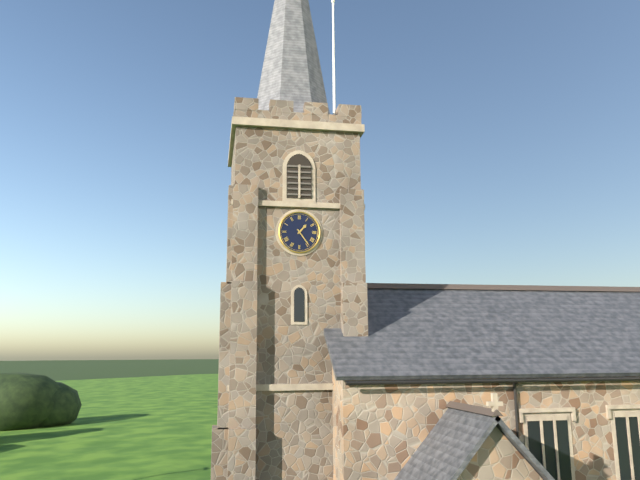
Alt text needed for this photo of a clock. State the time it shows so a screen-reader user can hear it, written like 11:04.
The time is 1:24
